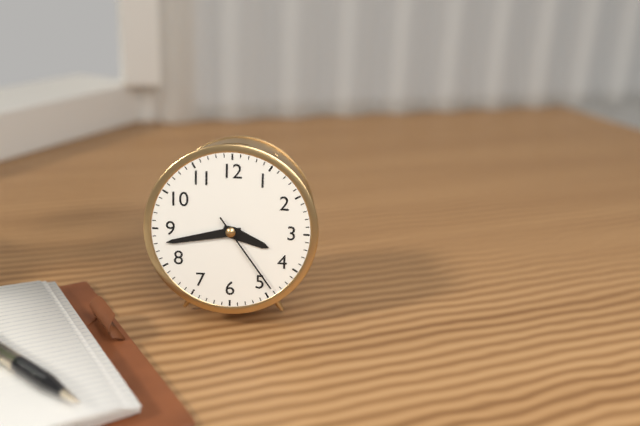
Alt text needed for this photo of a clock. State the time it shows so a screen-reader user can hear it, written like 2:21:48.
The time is 3:43:24
